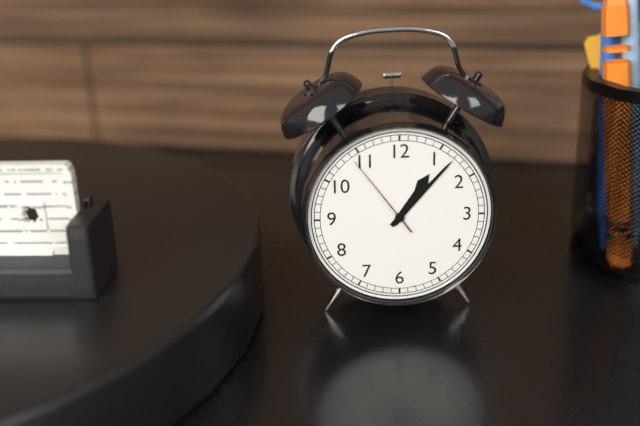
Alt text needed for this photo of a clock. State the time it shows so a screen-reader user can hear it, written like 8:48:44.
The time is 1:07:54
